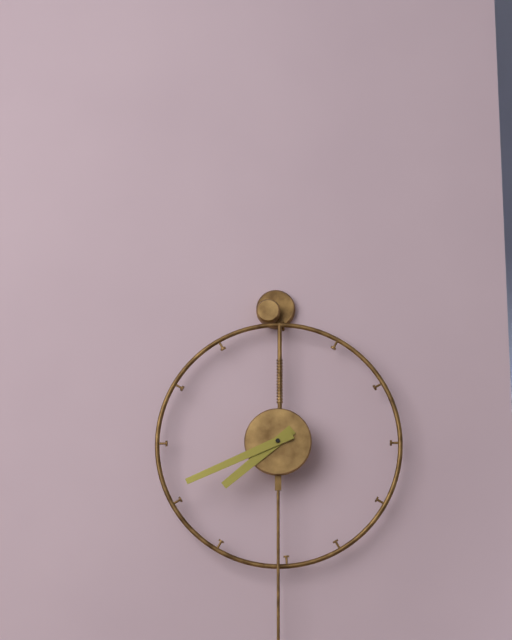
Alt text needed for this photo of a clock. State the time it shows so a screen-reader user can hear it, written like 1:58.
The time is 7:41
